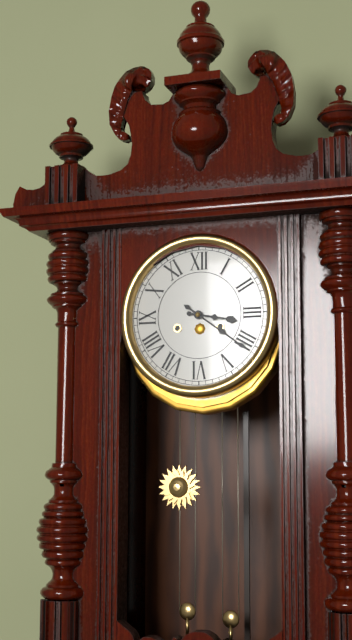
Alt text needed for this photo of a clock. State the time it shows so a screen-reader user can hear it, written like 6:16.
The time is 3:21
